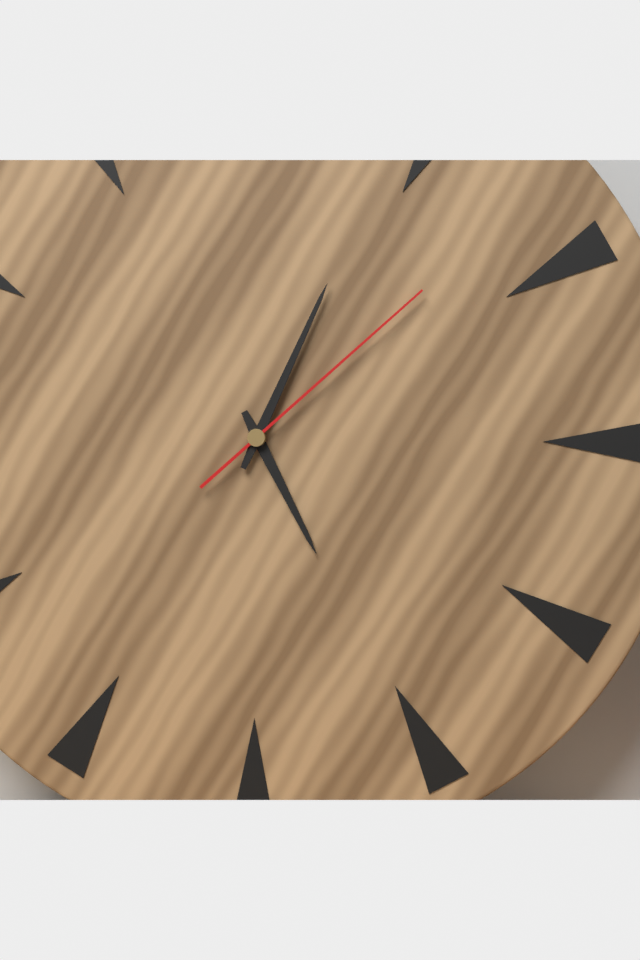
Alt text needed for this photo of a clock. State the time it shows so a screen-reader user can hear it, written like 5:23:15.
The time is 5:04:08
